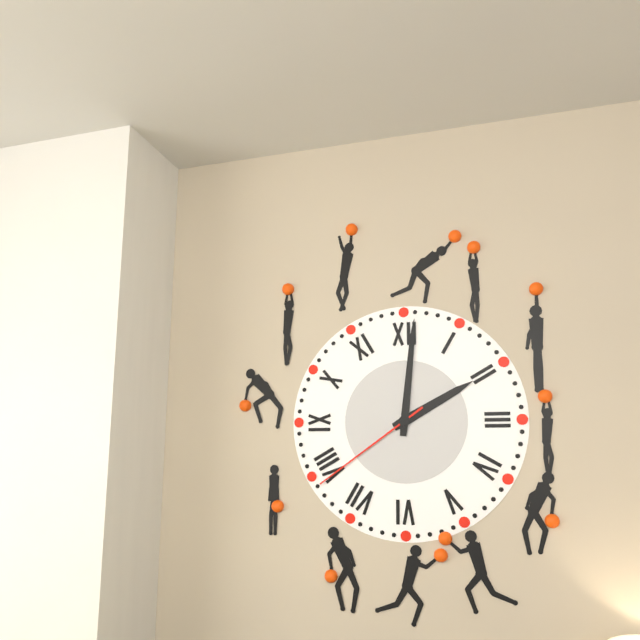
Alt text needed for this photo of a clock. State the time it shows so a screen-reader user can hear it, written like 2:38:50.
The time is 2:01:39
